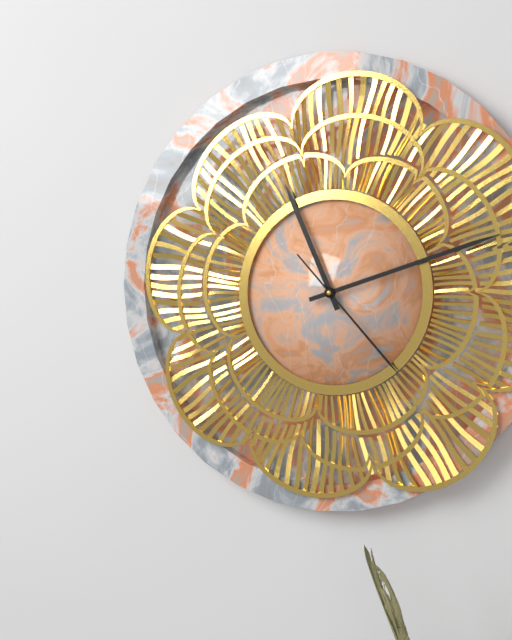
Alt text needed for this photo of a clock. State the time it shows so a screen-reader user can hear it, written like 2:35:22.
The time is 11:12:23
